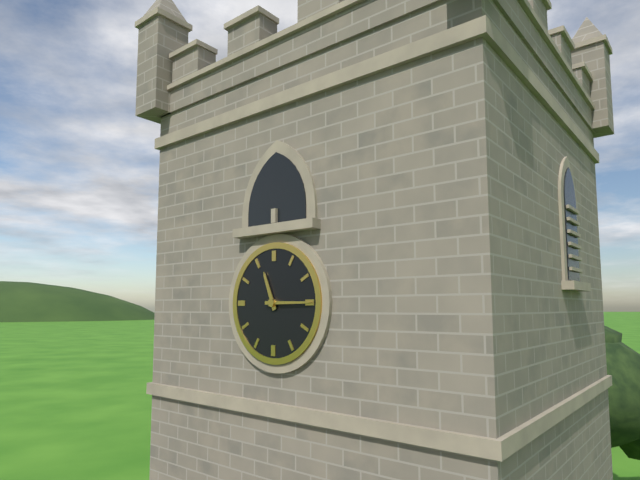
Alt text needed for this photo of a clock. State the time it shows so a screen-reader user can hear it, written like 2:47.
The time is 11:15
